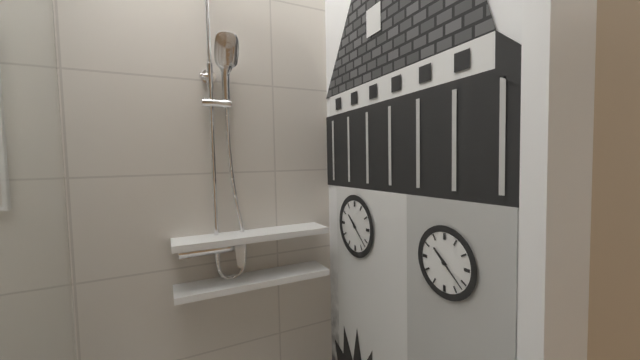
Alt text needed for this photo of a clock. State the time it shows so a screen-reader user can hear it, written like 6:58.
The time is 10:22
